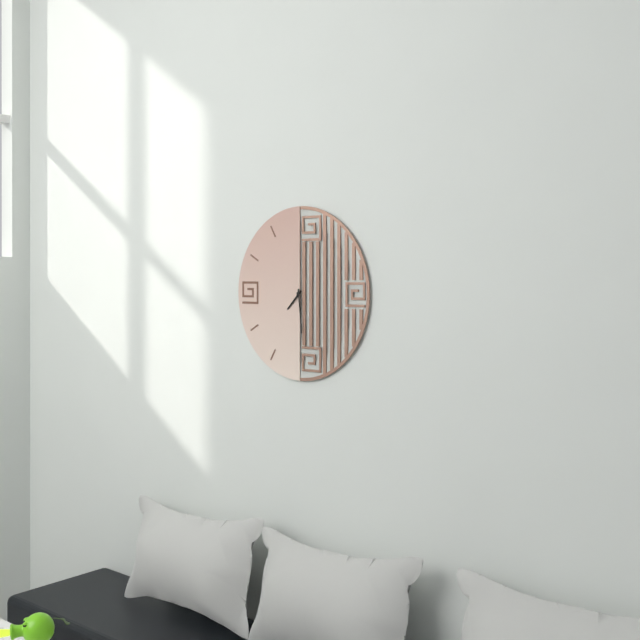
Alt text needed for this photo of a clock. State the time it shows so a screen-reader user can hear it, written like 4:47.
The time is 7:29
